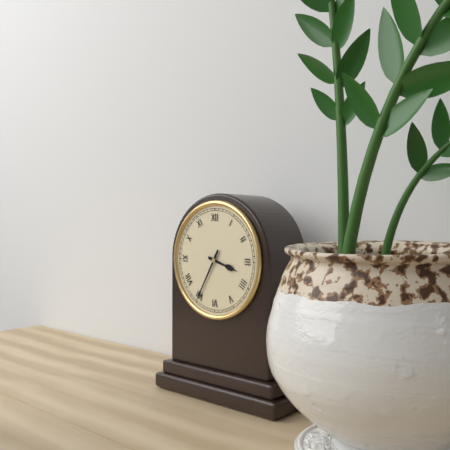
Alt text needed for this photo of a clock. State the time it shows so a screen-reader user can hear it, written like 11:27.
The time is 3:35
